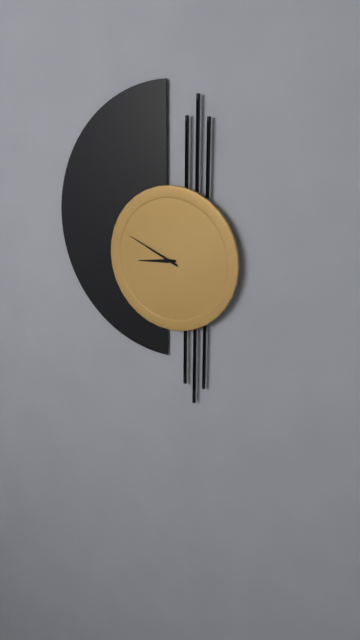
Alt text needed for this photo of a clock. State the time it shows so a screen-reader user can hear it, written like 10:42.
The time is 8:49
